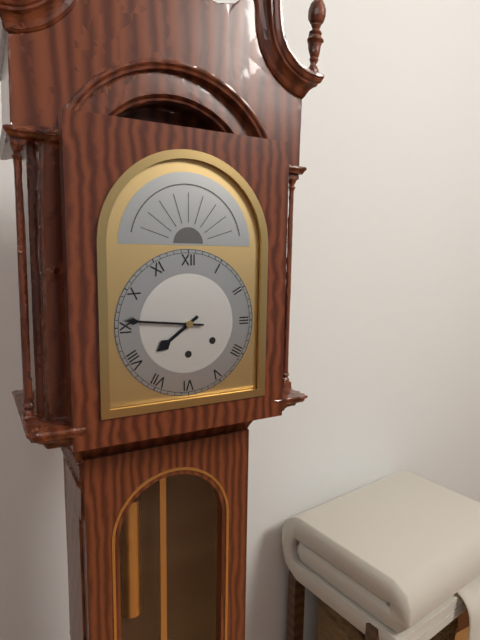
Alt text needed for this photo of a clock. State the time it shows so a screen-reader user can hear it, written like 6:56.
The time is 7:46
